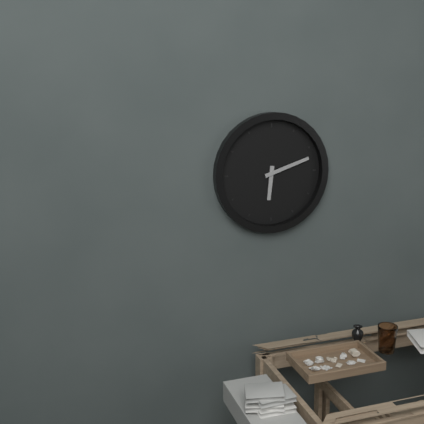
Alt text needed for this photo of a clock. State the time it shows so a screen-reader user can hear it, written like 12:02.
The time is 6:12
